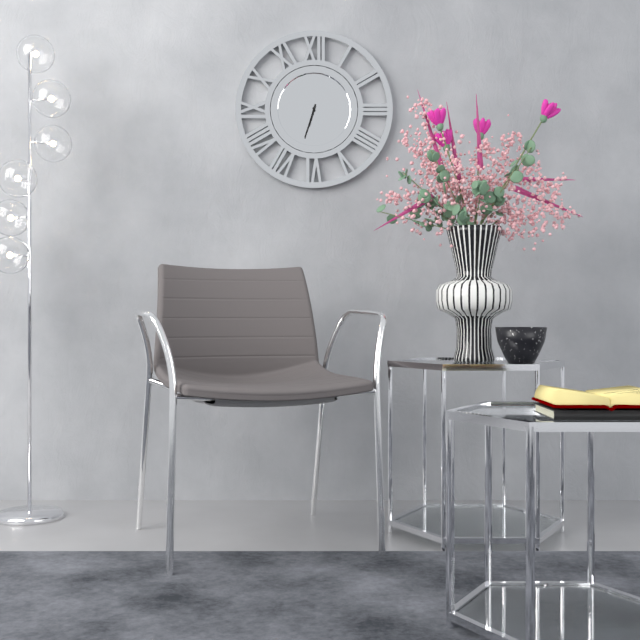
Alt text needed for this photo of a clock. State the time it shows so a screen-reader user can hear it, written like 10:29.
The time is 6:33
